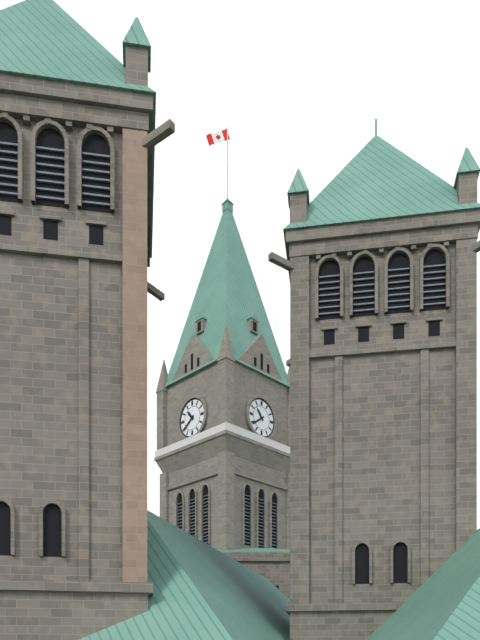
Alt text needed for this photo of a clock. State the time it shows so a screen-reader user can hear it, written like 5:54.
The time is 10:39
